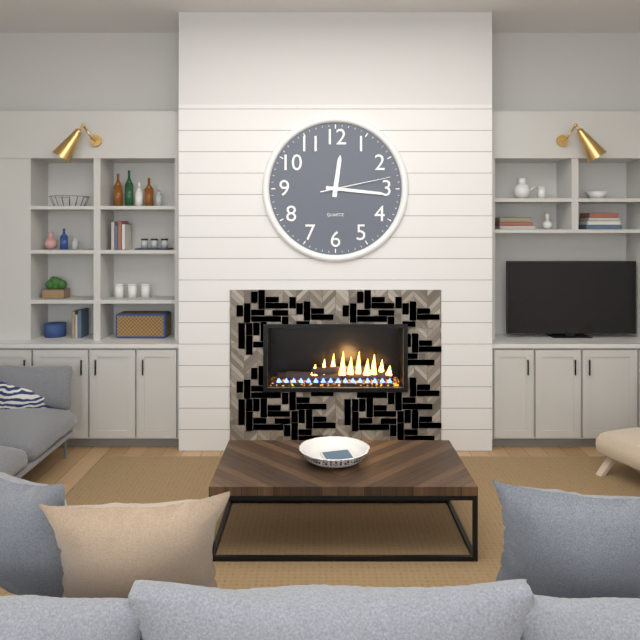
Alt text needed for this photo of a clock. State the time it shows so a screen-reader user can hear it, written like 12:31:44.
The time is 12:16:13
